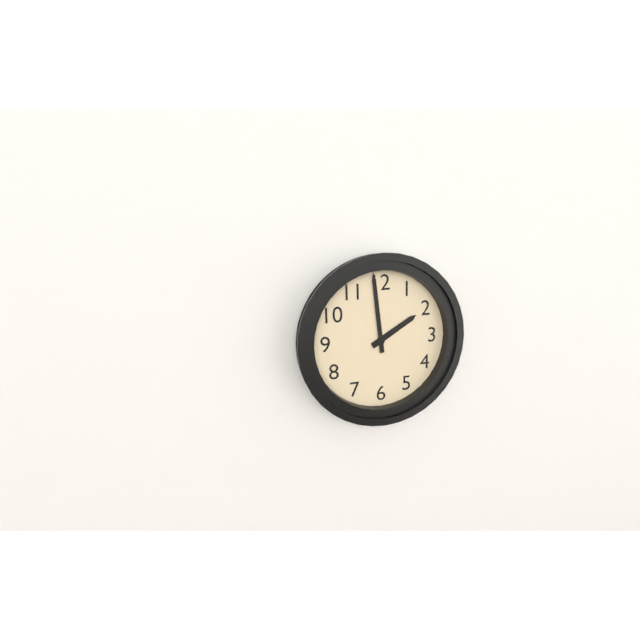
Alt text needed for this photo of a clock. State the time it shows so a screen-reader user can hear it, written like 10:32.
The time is 1:59
